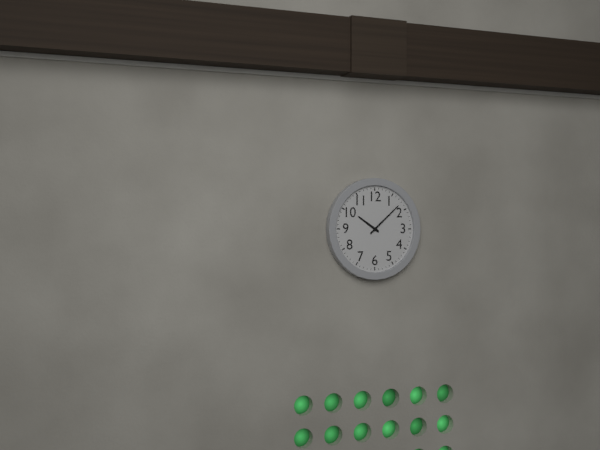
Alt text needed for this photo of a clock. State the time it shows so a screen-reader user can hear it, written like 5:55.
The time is 10:08
